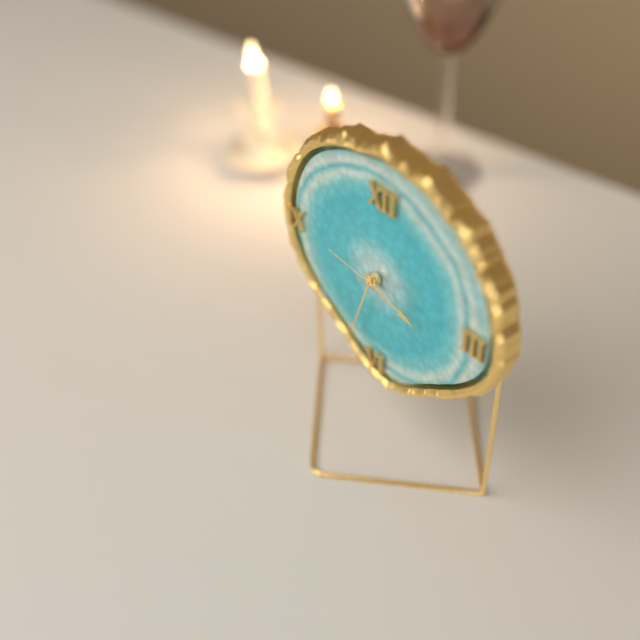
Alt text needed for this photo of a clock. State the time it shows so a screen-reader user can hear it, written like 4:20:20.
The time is 3:33:46
